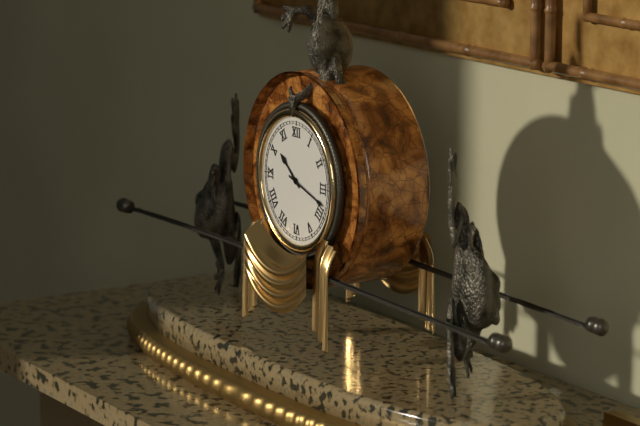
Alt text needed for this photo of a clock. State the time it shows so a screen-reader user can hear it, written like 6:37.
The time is 10:18
